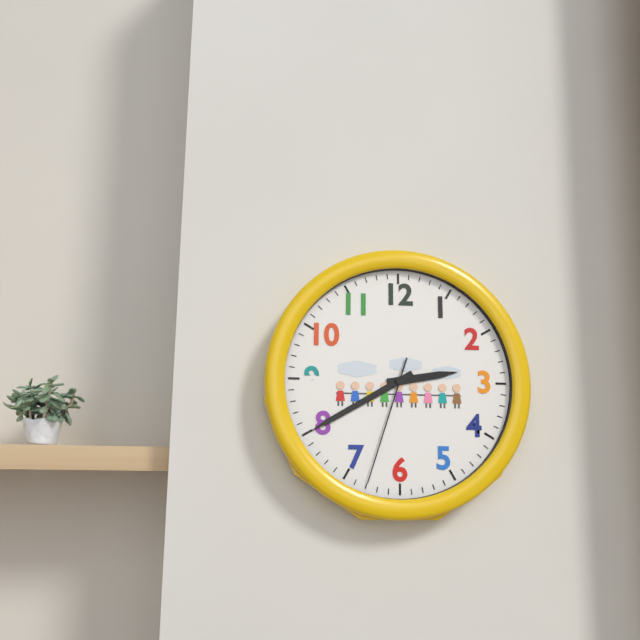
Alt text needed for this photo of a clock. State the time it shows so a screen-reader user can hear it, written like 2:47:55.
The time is 2:40:33
